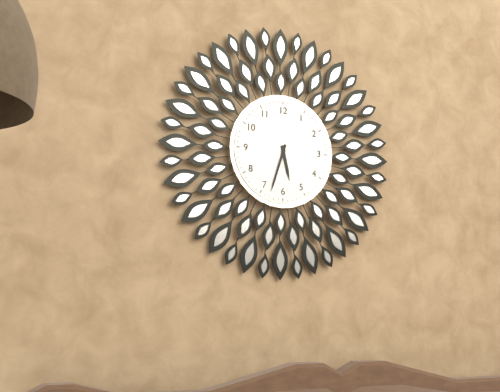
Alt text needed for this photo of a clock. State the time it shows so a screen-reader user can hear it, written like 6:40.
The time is 5:33
